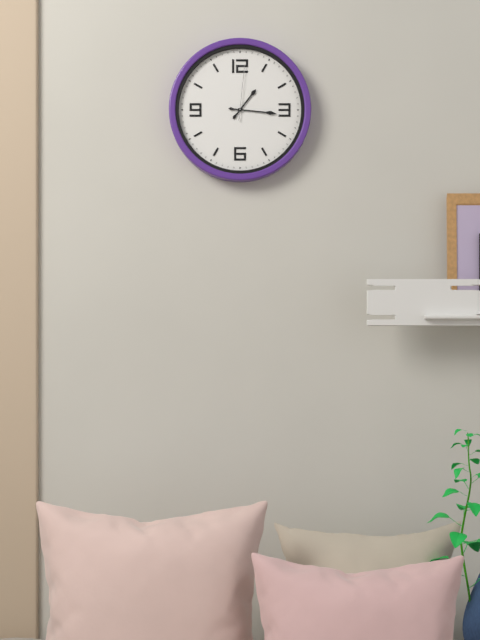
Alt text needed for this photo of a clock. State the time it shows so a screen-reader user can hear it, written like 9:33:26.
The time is 1:16:01
